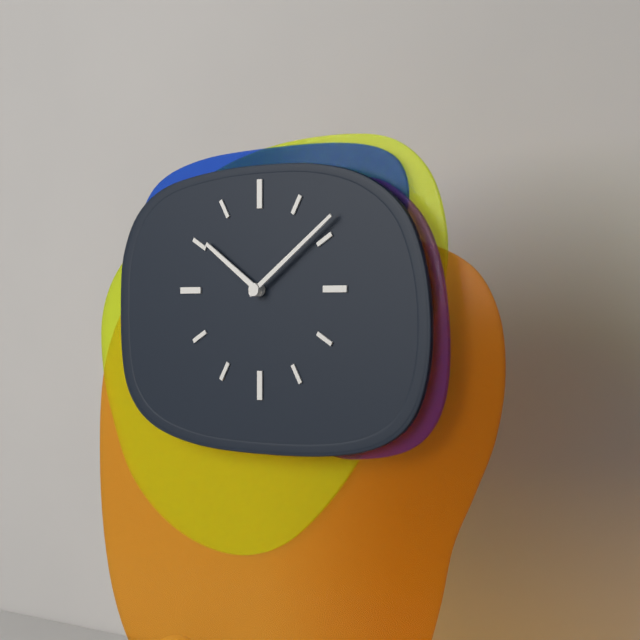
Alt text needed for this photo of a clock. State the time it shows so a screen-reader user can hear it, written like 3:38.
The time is 10:09
